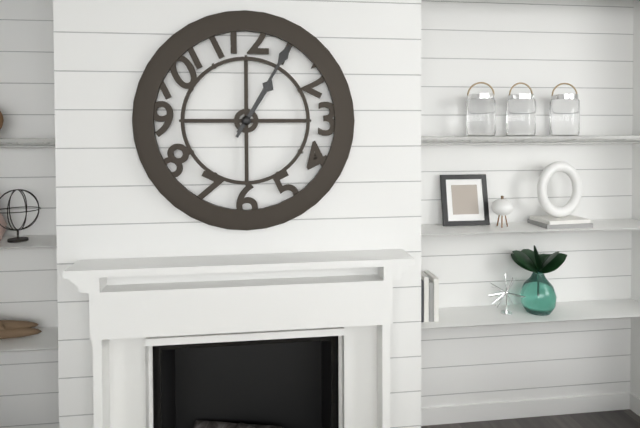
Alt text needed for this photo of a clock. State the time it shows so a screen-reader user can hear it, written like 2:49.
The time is 1:05
